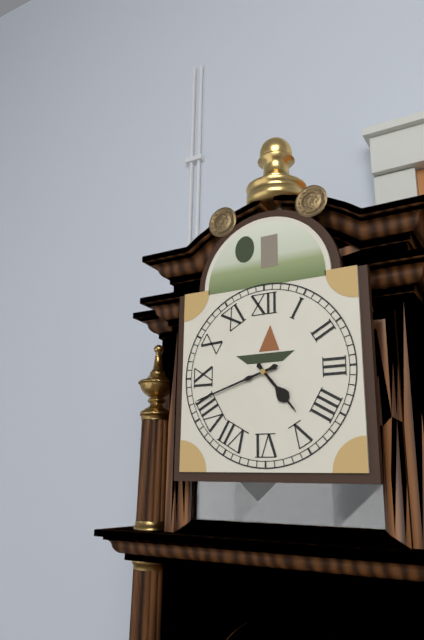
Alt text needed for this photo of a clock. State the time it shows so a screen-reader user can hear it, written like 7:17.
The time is 4:42
